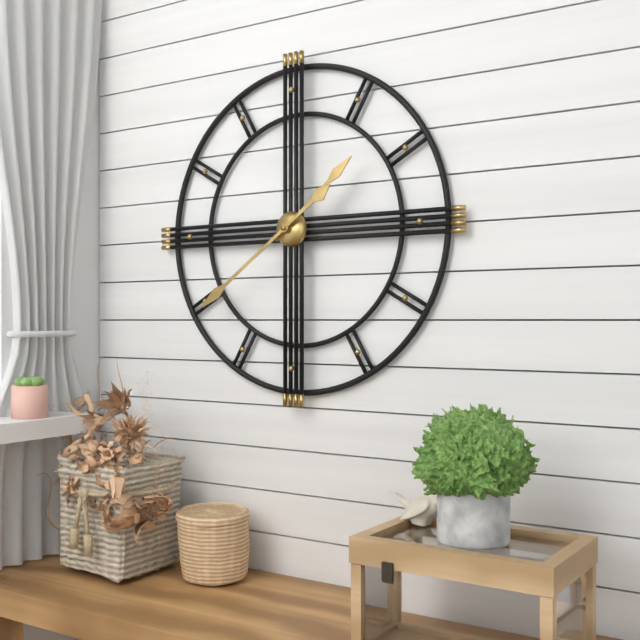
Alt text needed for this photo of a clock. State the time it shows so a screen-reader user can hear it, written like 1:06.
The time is 1:39
